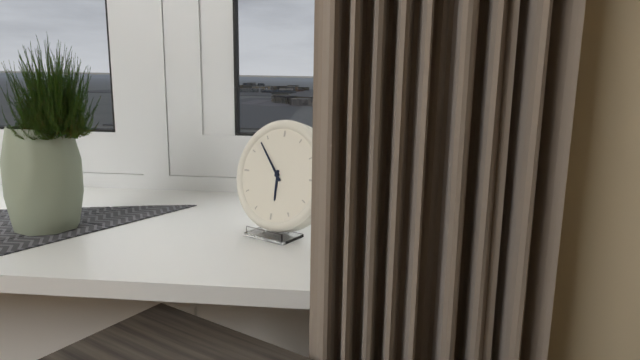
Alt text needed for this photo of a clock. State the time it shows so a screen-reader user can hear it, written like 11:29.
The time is 5:53
